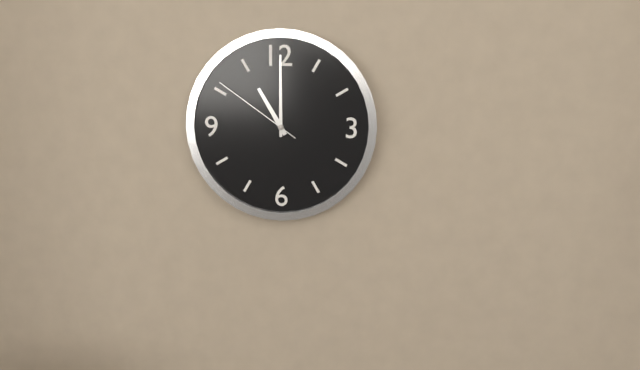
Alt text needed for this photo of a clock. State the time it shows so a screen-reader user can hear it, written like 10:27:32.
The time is 11:00:51
